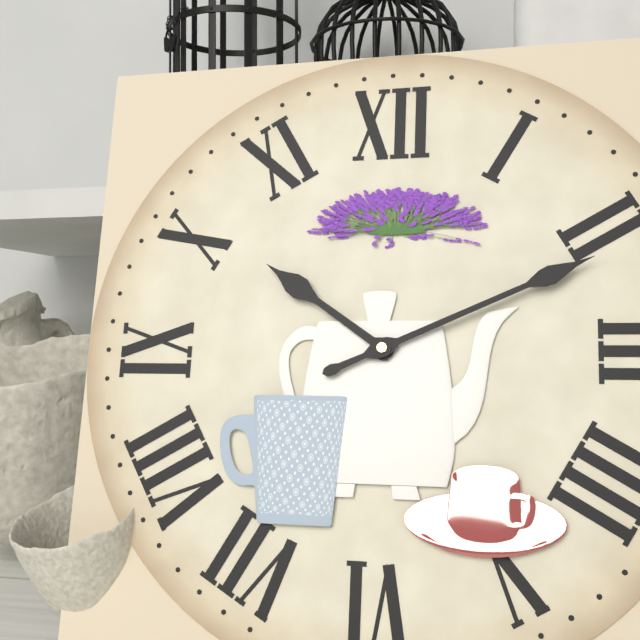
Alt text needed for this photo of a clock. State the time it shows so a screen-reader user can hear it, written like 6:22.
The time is 10:11
